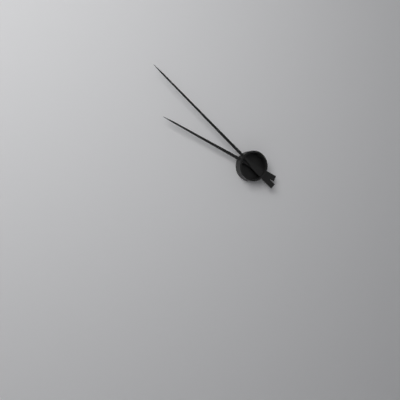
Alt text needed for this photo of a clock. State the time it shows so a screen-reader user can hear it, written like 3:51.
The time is 9:52
